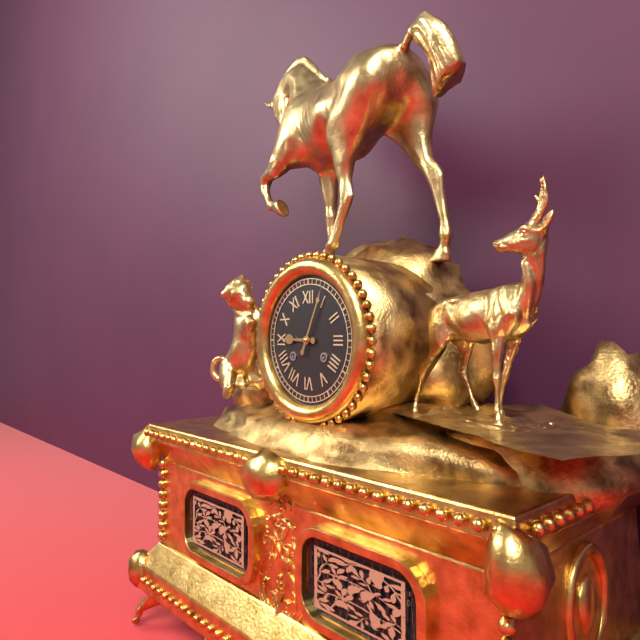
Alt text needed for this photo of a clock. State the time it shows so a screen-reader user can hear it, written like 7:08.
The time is 9:04
